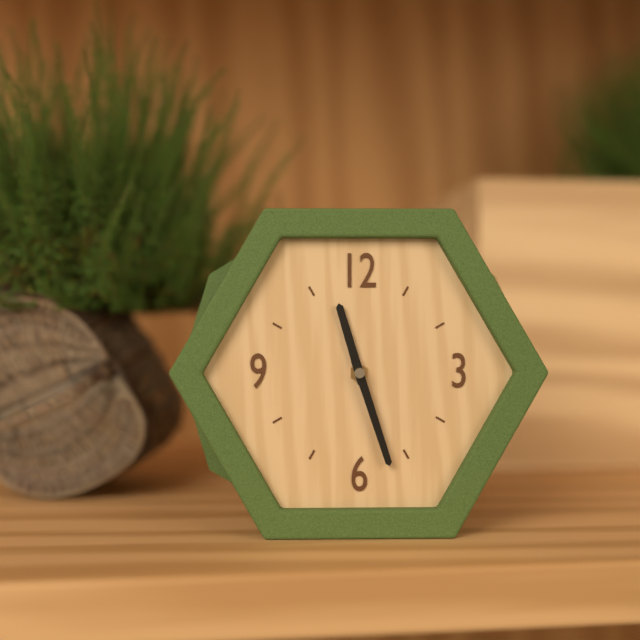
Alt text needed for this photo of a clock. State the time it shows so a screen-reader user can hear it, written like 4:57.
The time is 11:27
